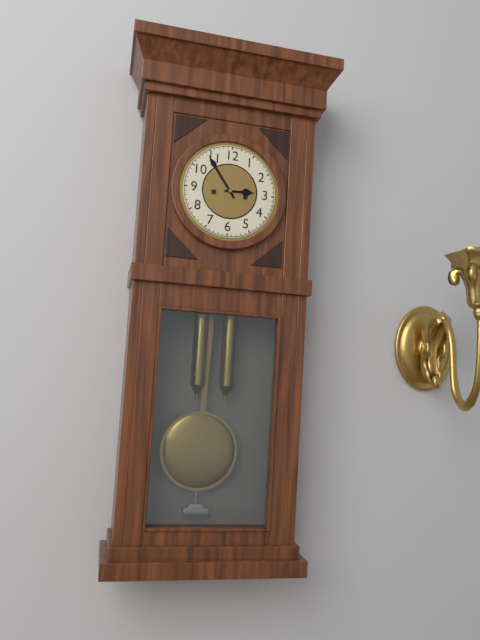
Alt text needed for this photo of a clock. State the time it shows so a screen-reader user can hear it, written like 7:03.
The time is 2:54
